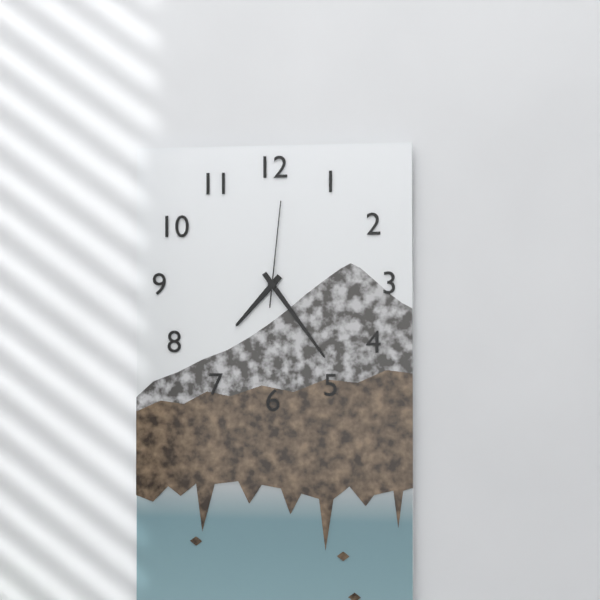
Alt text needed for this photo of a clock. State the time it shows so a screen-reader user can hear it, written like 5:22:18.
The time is 7:24:01
